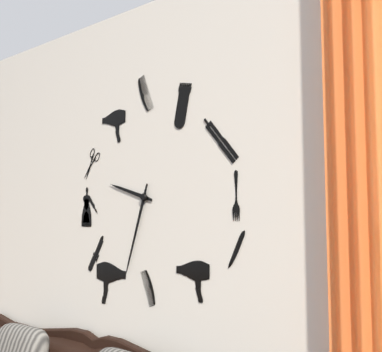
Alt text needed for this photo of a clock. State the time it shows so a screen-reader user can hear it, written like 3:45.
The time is 9:33
